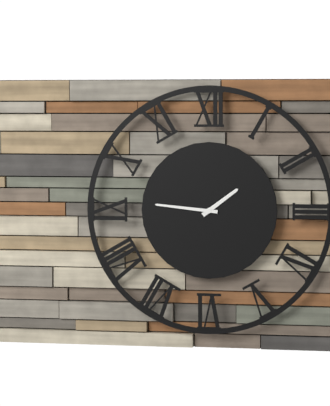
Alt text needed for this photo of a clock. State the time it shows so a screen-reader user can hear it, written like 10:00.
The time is 1:46
